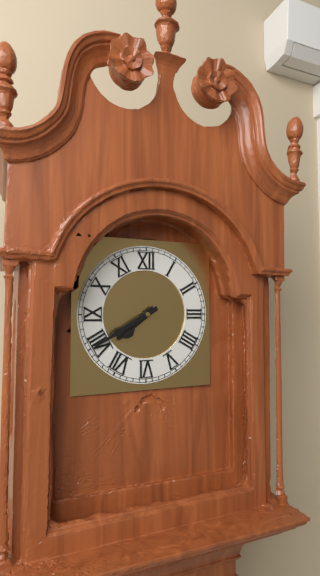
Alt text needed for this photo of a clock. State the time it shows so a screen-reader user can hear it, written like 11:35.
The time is 7:40
